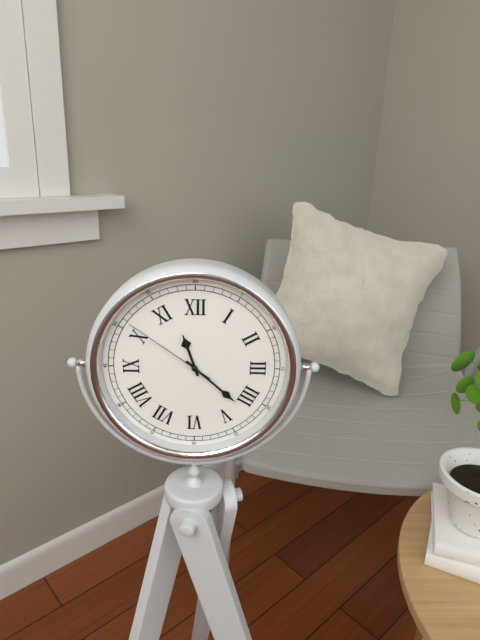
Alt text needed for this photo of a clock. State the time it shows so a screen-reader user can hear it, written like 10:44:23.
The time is 11:22:51
